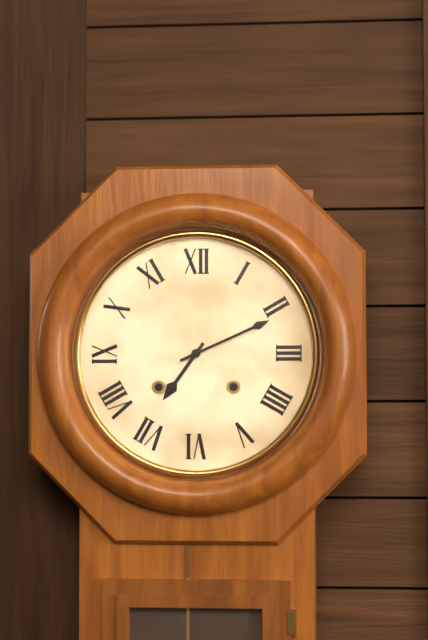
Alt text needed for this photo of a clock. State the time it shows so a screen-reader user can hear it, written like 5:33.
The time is 7:11
